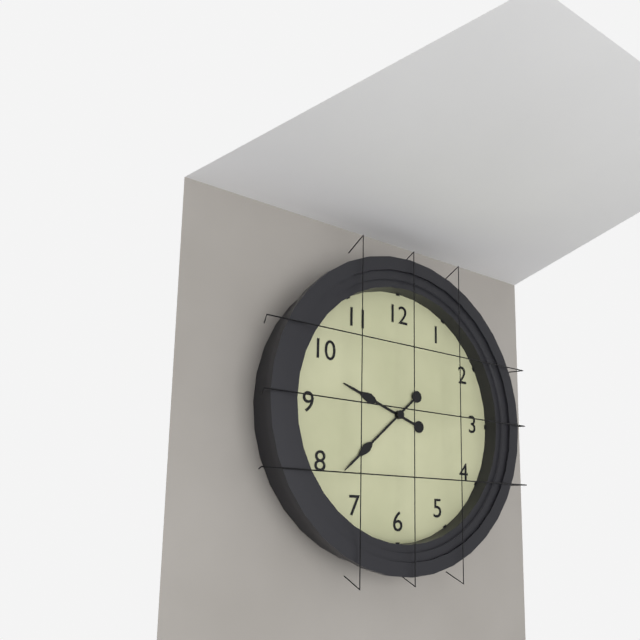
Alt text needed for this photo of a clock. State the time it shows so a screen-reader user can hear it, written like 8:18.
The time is 9:38
